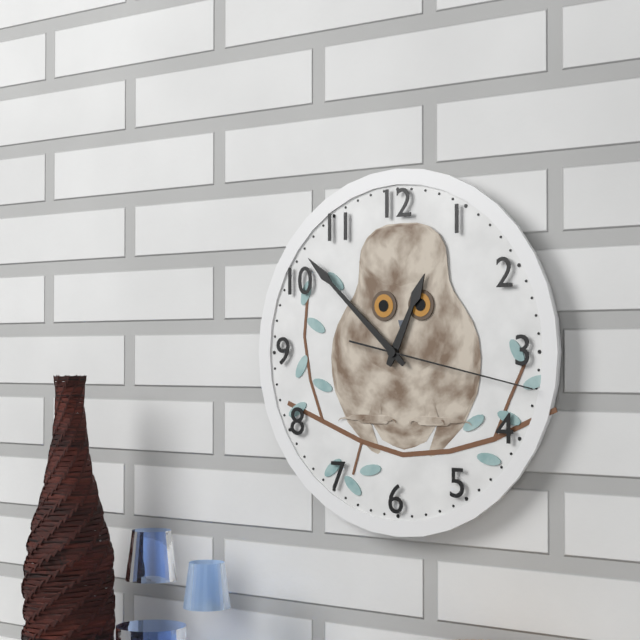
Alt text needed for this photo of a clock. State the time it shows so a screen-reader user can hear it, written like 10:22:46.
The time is 12:52:17
